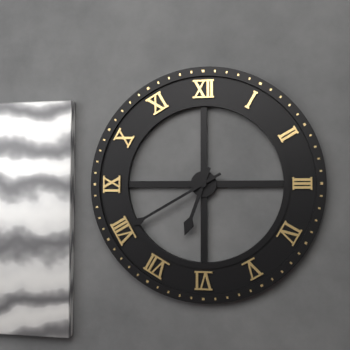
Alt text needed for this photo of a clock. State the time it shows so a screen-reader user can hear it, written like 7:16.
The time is 6:40
